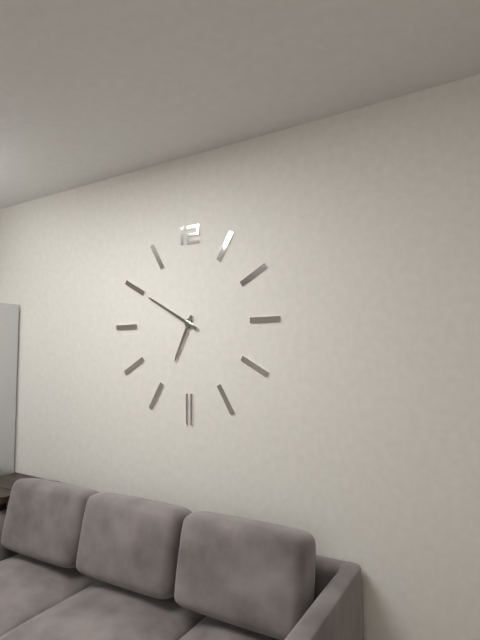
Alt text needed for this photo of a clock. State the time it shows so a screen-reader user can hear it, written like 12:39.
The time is 6:50
